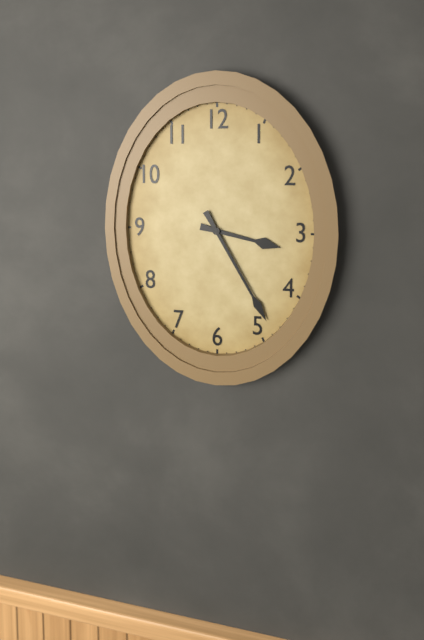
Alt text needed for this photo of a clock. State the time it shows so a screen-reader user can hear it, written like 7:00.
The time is 3:25
